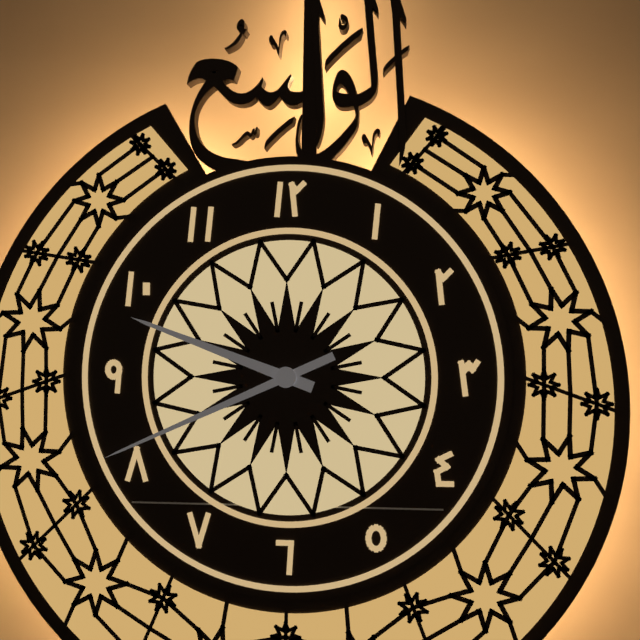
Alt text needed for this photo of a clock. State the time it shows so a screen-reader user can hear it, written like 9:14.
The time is 9:41
